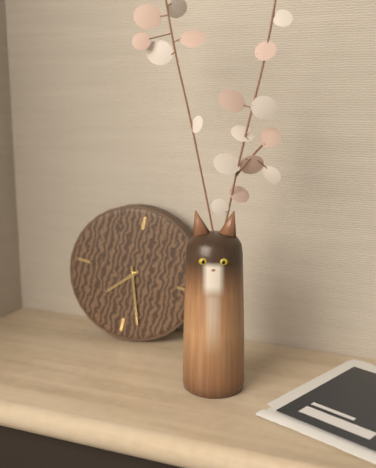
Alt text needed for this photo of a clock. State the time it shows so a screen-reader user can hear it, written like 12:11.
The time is 7:27
